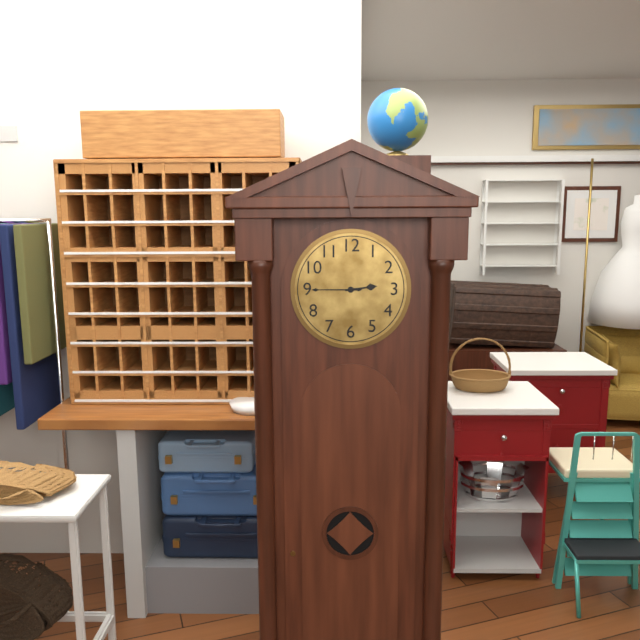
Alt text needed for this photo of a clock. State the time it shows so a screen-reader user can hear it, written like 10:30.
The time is 2:45
